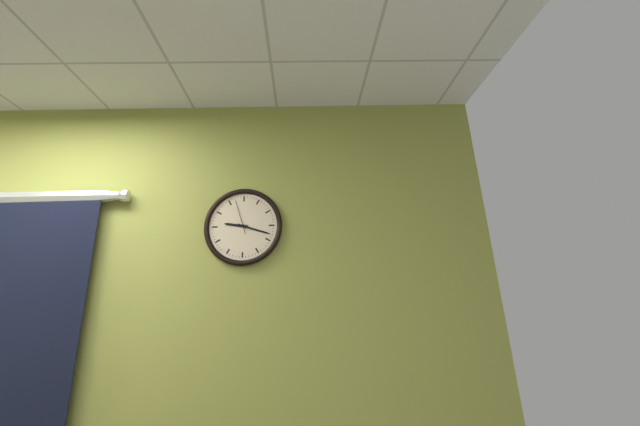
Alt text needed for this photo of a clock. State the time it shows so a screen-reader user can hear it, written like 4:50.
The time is 9:18
